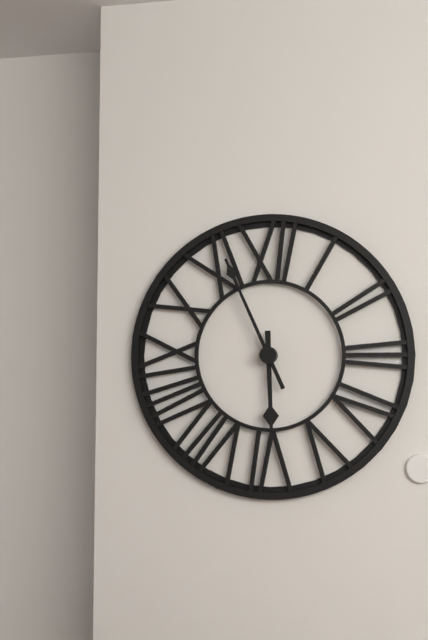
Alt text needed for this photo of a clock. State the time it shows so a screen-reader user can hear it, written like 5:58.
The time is 5:56
